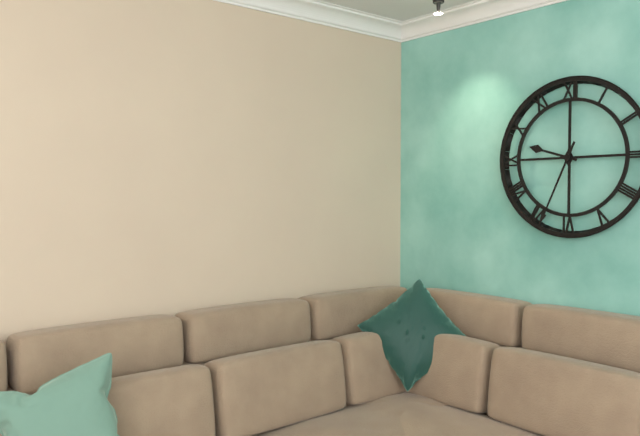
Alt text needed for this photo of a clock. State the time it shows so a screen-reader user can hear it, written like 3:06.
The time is 9:34
